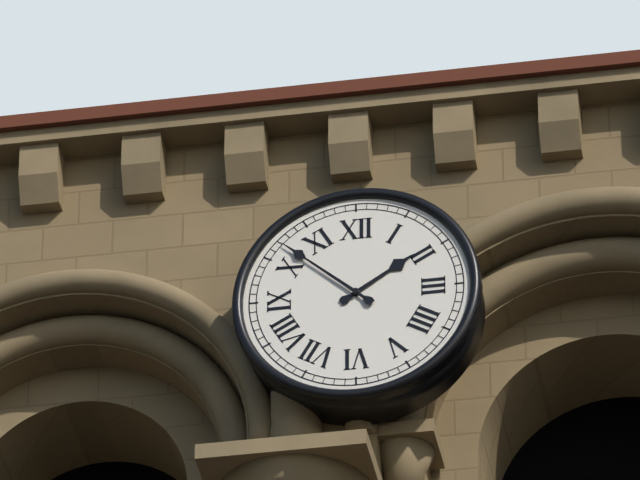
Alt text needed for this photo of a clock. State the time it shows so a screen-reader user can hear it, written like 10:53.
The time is 1:52
